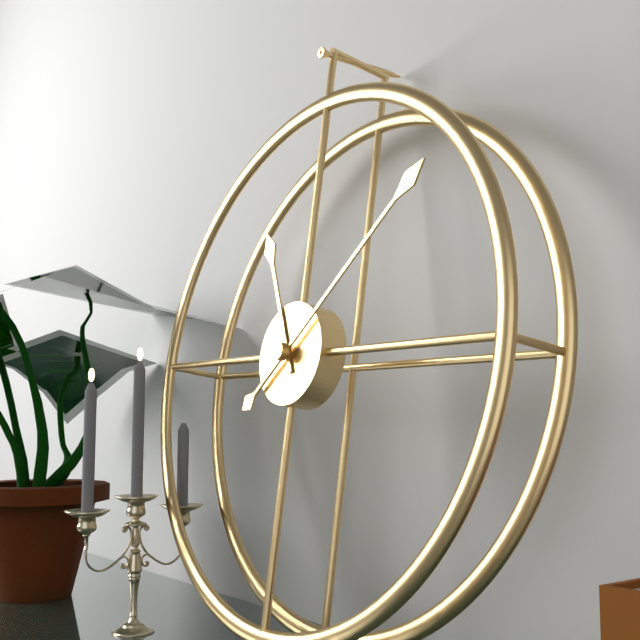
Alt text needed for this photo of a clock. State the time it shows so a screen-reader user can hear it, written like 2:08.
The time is 11:08
